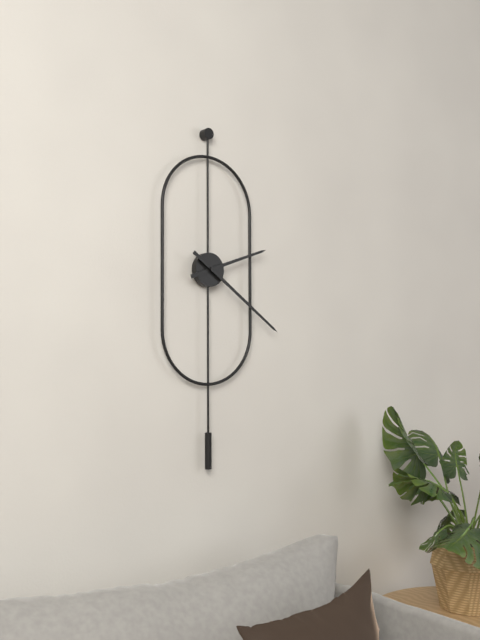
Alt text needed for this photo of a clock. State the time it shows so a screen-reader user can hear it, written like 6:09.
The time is 2:21
